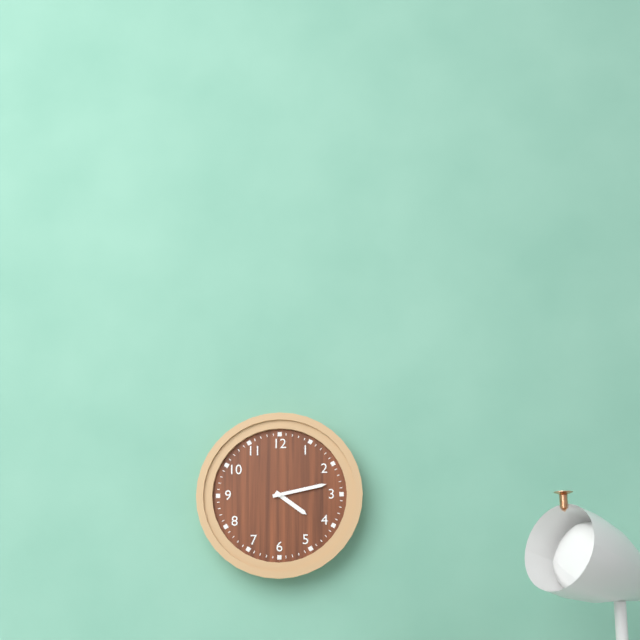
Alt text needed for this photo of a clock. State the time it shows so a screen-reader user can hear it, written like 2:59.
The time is 4:13
